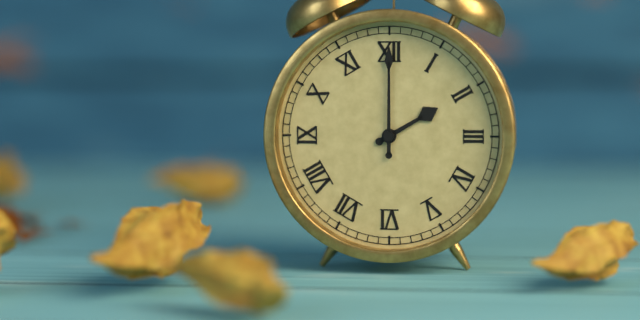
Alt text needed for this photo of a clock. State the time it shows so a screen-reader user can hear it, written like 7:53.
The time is 2:00
